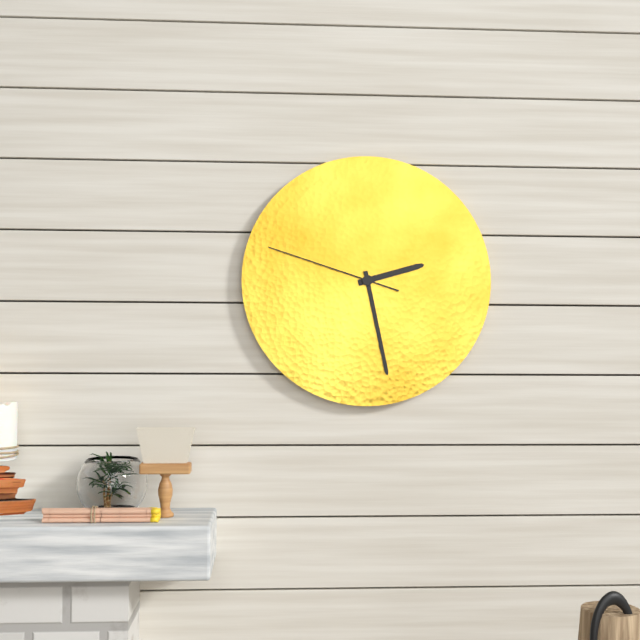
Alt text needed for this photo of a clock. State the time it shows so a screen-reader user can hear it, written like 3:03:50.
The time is 2:28:48
